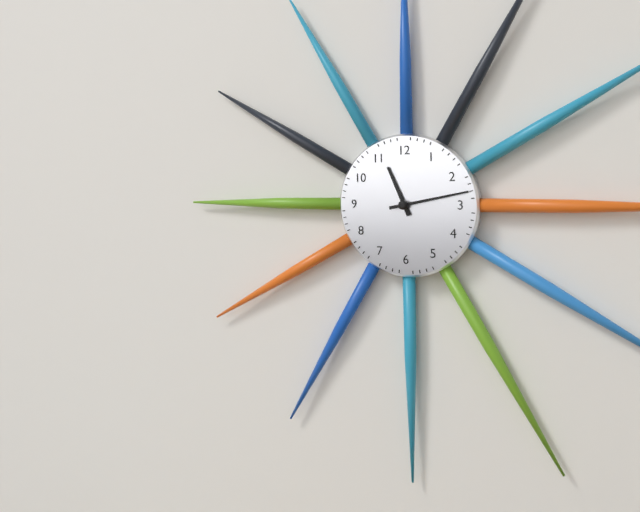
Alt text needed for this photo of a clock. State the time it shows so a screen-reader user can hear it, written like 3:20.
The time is 11:13
